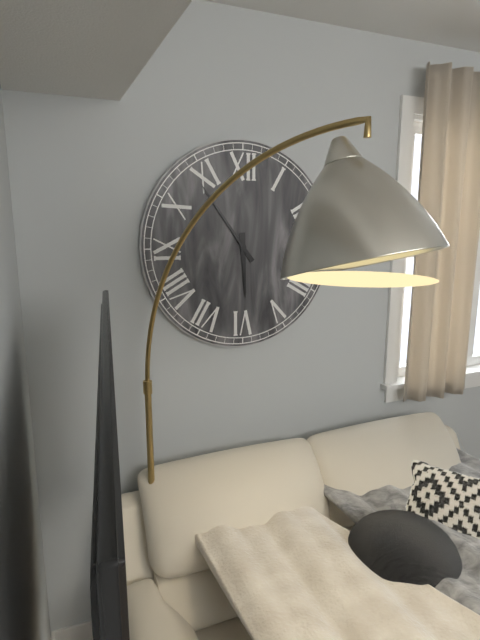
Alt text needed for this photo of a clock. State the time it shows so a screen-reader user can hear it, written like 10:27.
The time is 5:54
